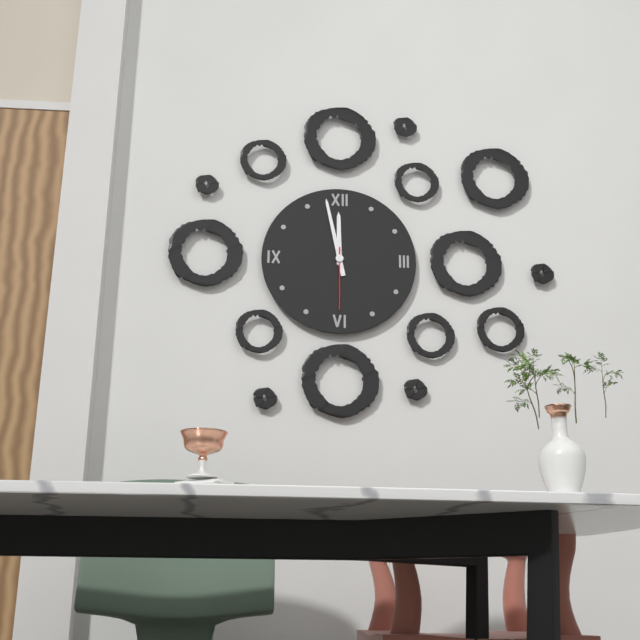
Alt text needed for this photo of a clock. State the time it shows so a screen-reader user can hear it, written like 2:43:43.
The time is 11:58:30
